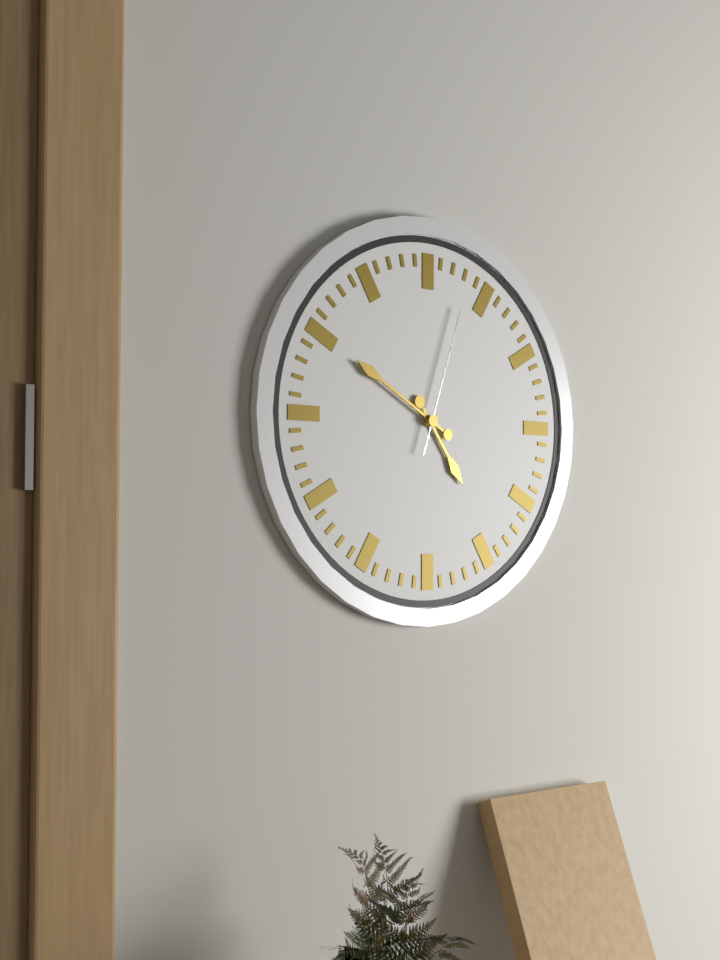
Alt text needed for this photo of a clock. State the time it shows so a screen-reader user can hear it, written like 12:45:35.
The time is 4:50:03
